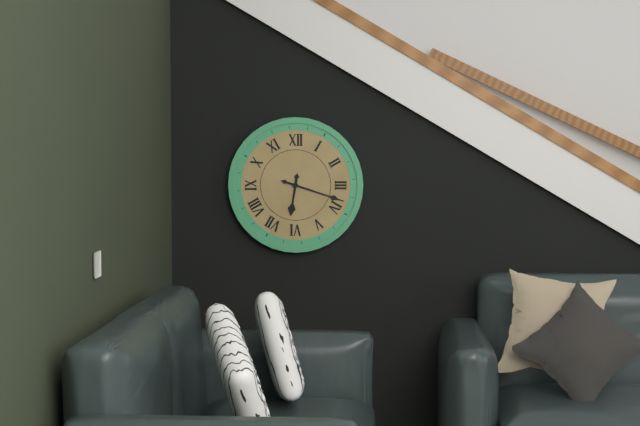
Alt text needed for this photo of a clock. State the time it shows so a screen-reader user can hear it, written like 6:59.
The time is 6:18
